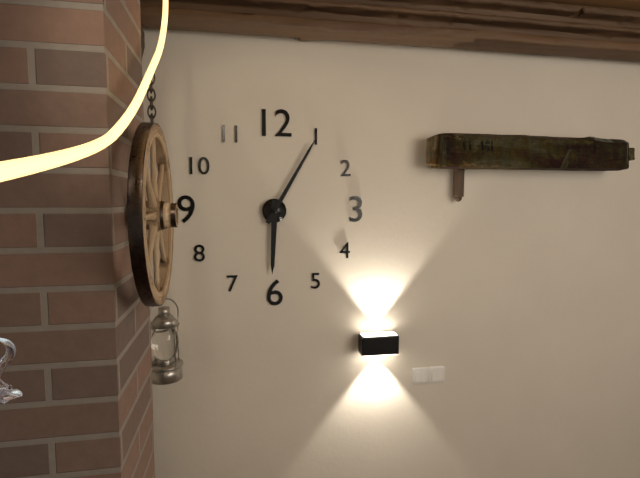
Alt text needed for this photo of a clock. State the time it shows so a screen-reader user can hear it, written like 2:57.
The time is 6:05
